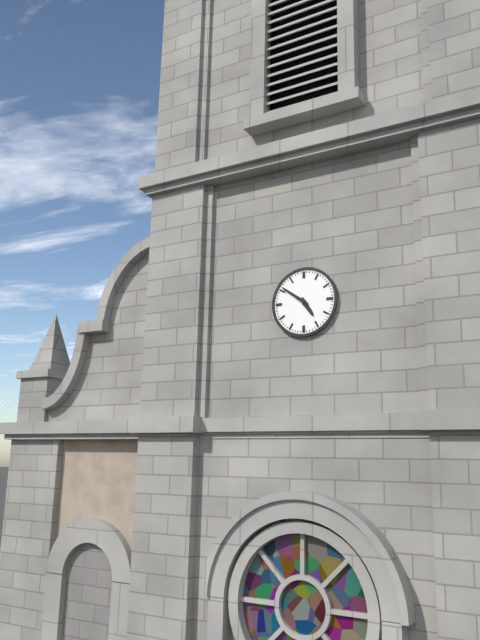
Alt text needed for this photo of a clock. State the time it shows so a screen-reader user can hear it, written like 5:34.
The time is 4:51
